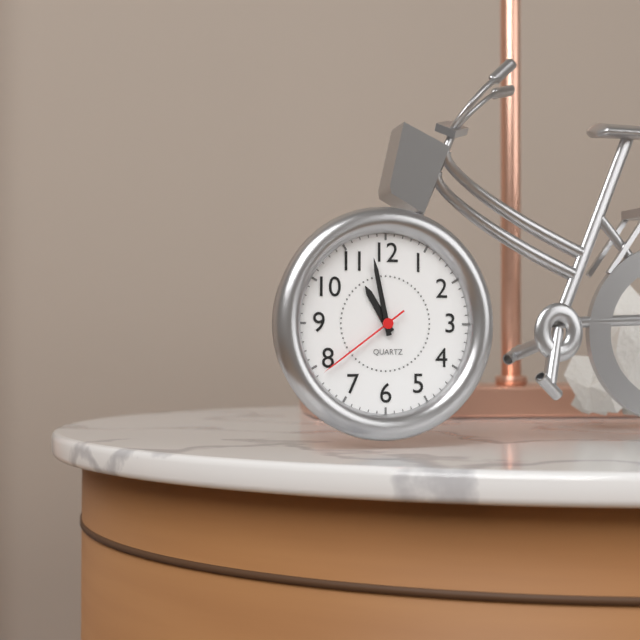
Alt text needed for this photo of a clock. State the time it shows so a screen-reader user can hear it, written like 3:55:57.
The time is 10:58:39
